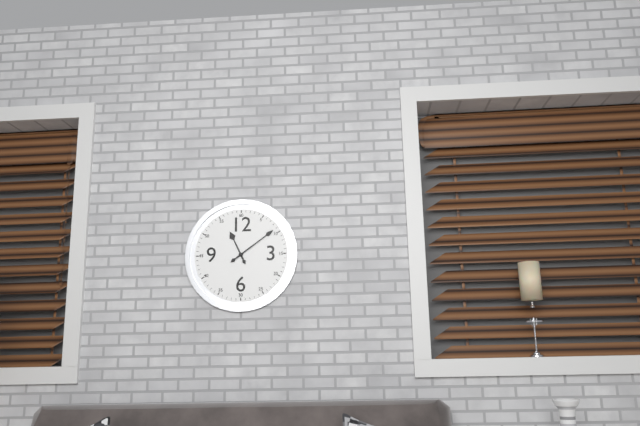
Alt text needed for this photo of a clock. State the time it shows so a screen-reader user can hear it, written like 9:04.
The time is 11:09
